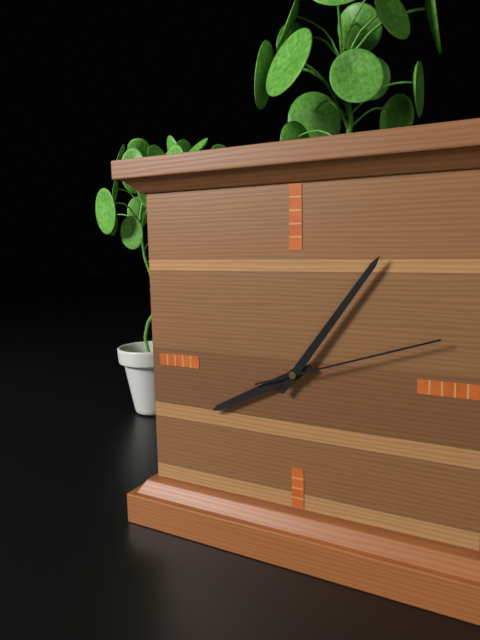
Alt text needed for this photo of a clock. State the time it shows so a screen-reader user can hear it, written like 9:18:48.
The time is 8:06:12
